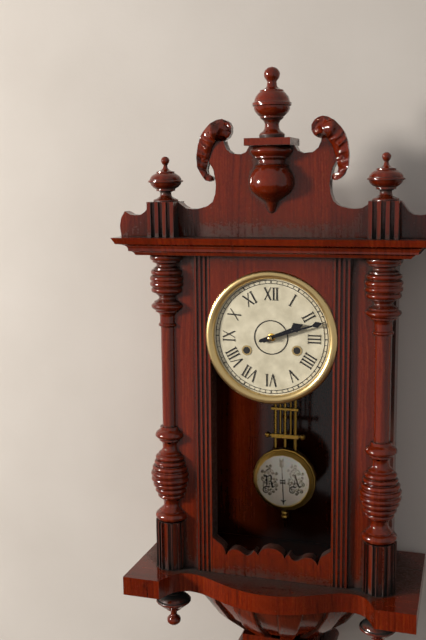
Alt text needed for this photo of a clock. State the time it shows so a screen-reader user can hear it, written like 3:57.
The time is 2:12
